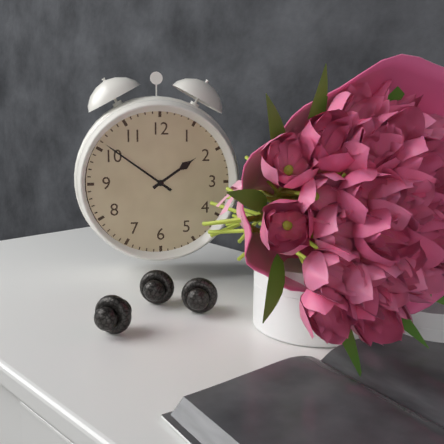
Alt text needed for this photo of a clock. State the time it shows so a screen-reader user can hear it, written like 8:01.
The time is 1:51
